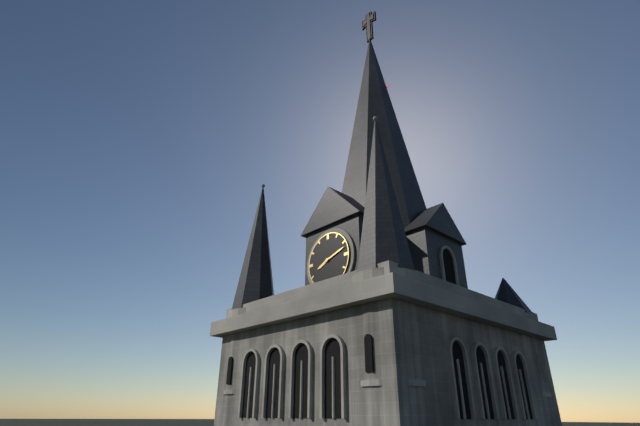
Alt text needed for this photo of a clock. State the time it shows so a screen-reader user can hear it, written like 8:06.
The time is 8:12
